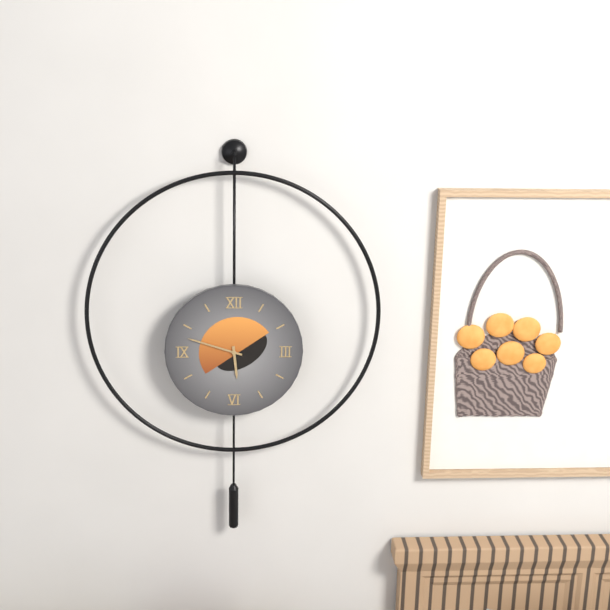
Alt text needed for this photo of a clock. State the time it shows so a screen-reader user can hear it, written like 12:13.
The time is 5:48
